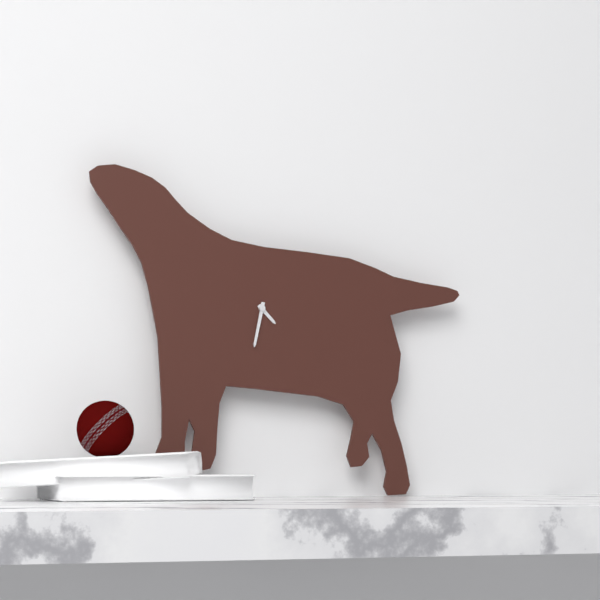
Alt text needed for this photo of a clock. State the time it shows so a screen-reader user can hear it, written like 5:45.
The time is 4:32
